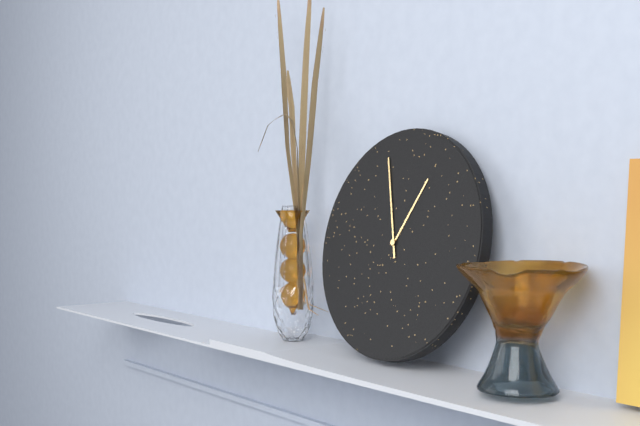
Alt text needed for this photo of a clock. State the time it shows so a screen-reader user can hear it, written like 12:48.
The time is 12:57
